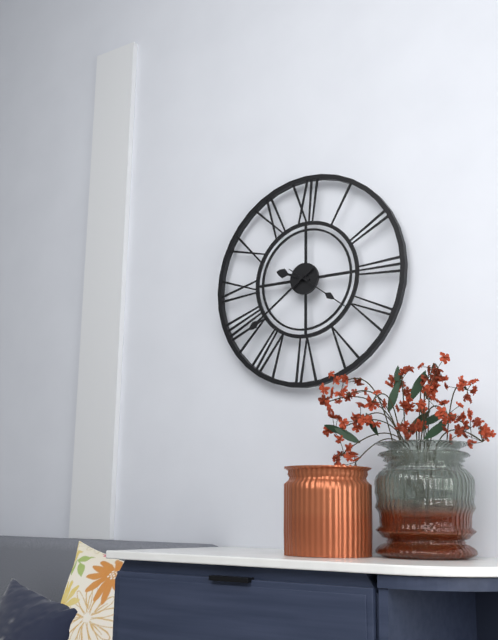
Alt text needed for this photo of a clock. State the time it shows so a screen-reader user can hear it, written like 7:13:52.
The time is 9:39:21
